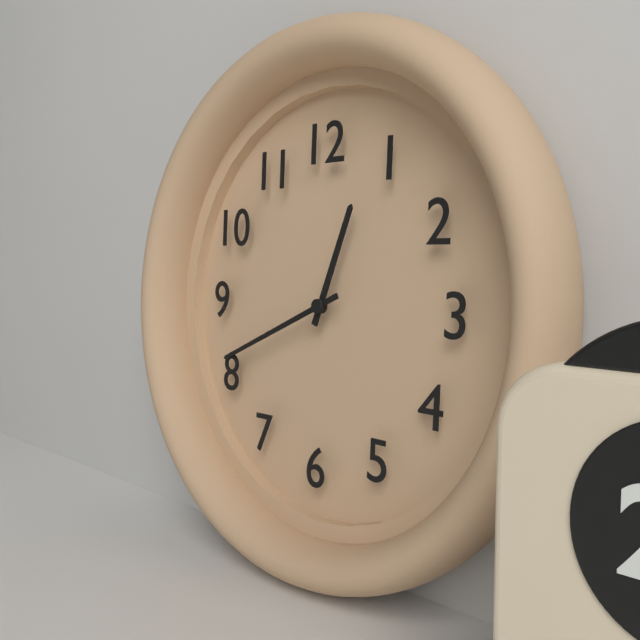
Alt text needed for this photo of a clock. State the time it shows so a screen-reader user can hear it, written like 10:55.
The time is 12:41
